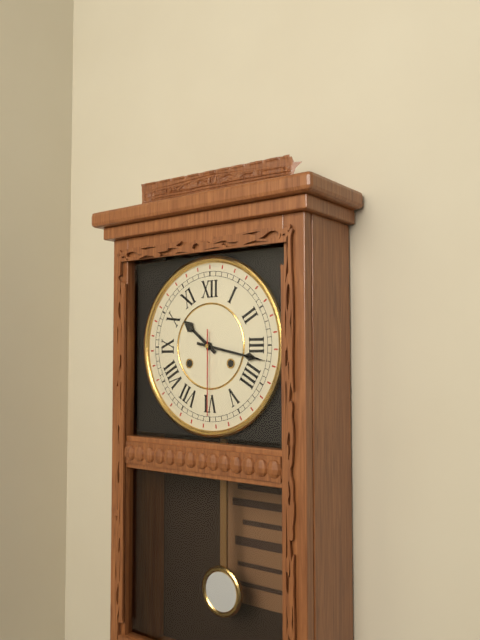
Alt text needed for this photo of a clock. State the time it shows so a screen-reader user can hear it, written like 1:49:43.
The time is 10:17:30
